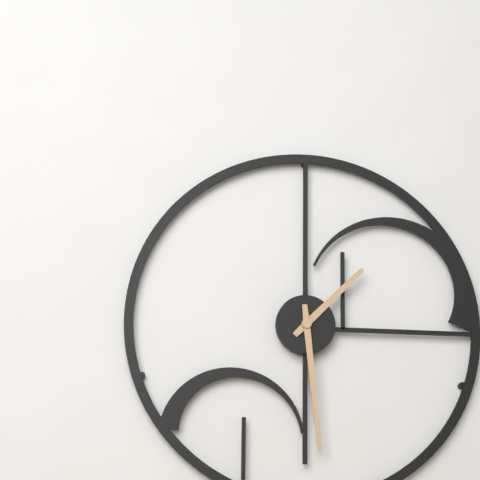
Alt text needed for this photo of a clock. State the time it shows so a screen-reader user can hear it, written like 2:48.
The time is 1:29
